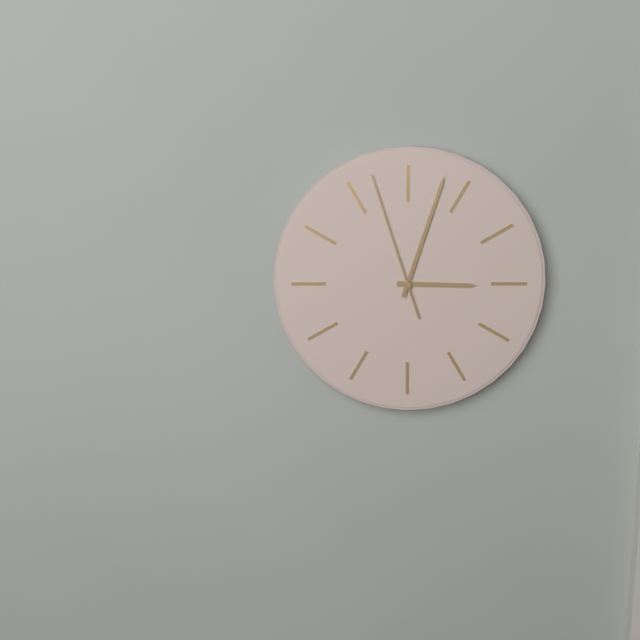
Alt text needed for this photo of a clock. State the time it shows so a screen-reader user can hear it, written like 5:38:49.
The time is 3:03:57
